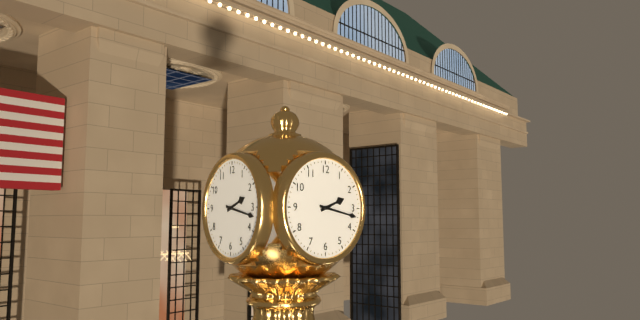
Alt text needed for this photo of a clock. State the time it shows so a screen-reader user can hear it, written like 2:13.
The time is 2:17
